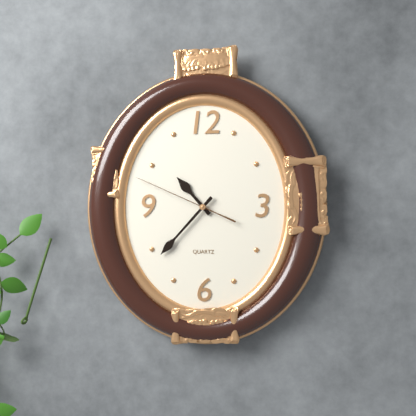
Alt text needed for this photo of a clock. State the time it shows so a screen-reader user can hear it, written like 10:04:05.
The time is 10:37:49
